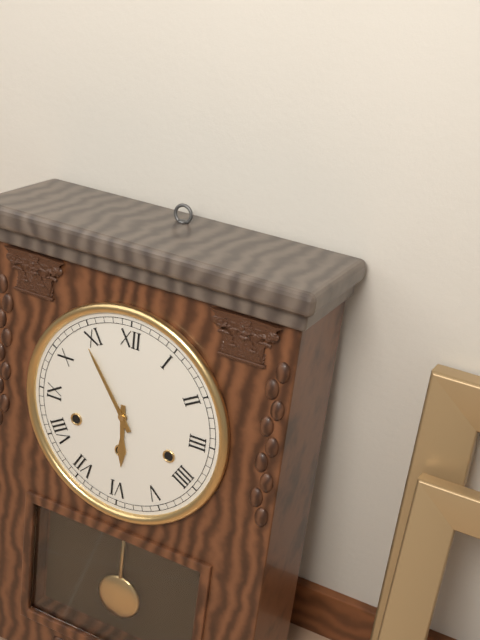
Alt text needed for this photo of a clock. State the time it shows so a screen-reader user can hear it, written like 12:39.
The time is 5:54
